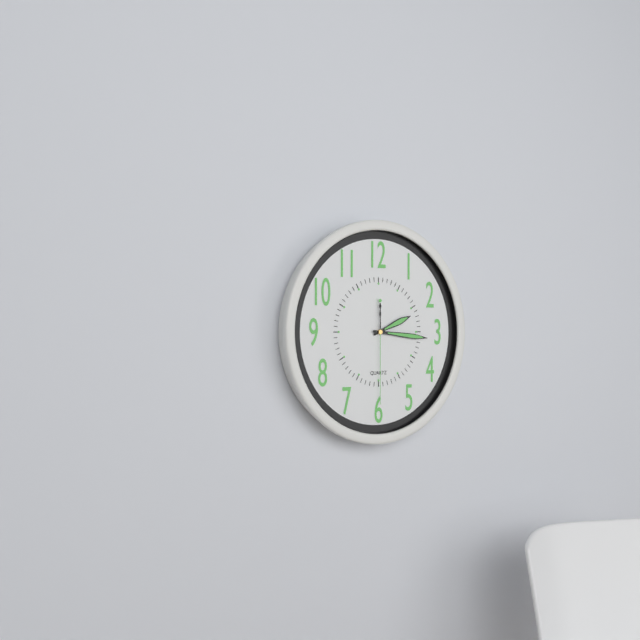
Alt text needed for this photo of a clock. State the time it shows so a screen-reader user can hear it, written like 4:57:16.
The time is 2:16:30
